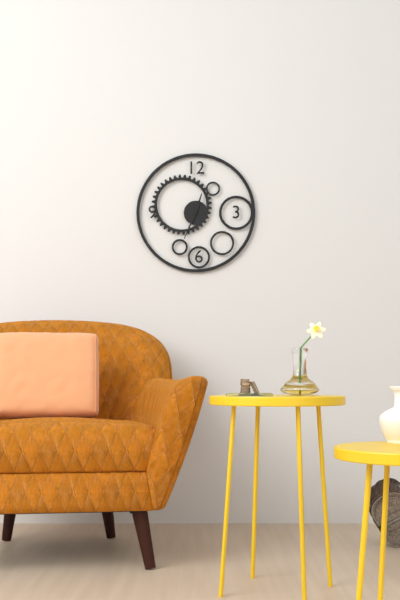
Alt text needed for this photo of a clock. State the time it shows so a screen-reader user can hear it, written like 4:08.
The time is 12:34
